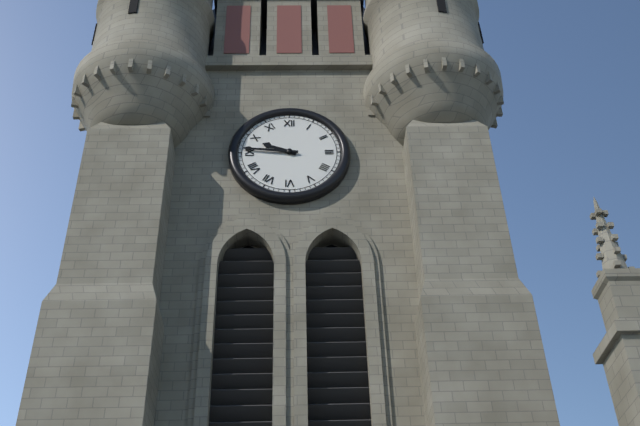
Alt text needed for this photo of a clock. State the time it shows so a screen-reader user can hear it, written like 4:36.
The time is 9:46
